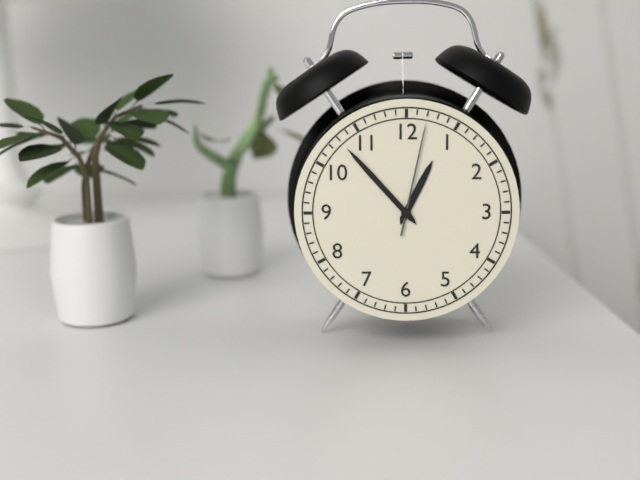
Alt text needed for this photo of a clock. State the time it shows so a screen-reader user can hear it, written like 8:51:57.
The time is 12:53:02
